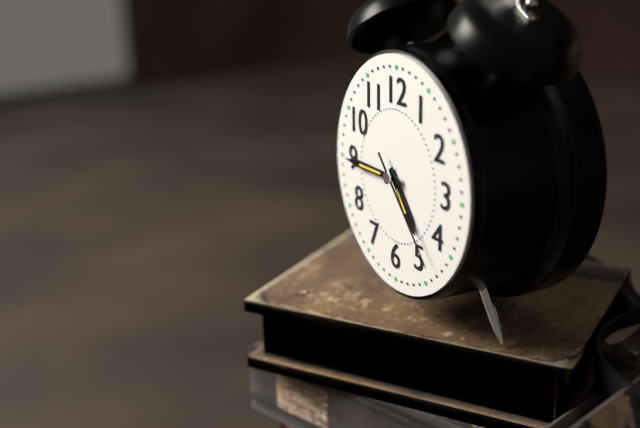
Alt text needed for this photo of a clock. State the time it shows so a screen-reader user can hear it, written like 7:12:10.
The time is 4:45:23
